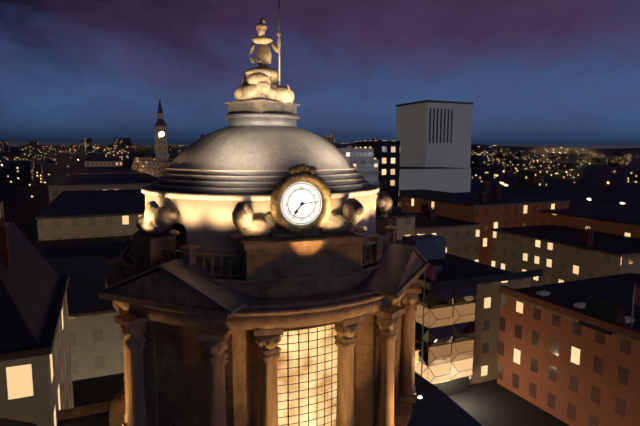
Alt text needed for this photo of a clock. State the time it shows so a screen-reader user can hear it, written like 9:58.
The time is 7:14
